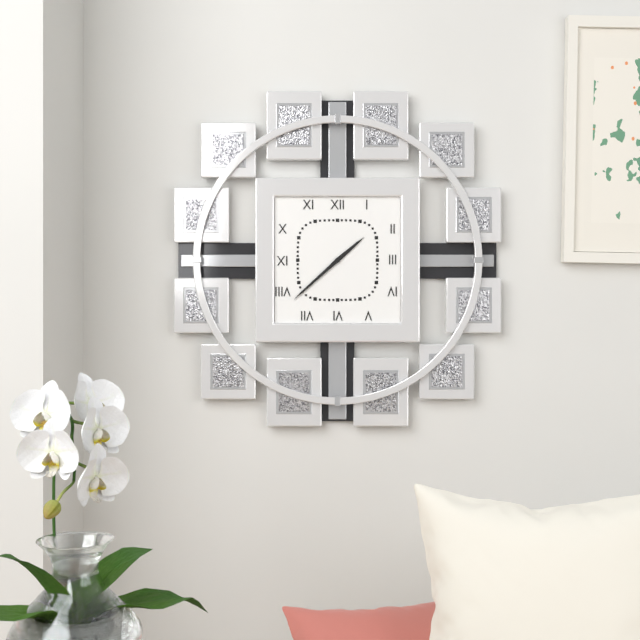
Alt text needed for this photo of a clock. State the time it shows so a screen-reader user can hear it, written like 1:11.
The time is 1:38
